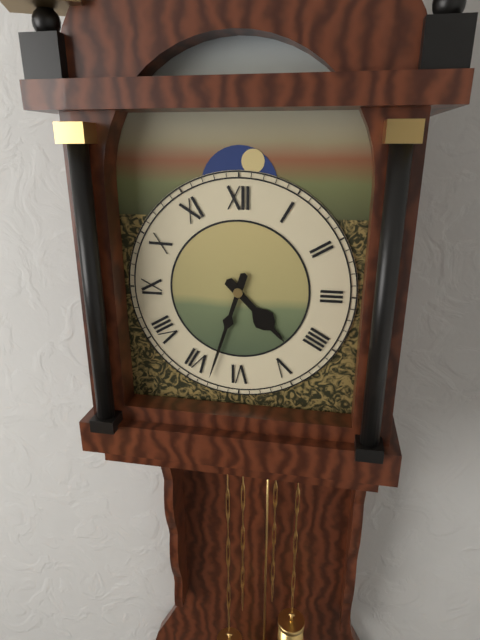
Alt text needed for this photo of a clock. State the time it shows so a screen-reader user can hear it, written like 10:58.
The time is 4:33
